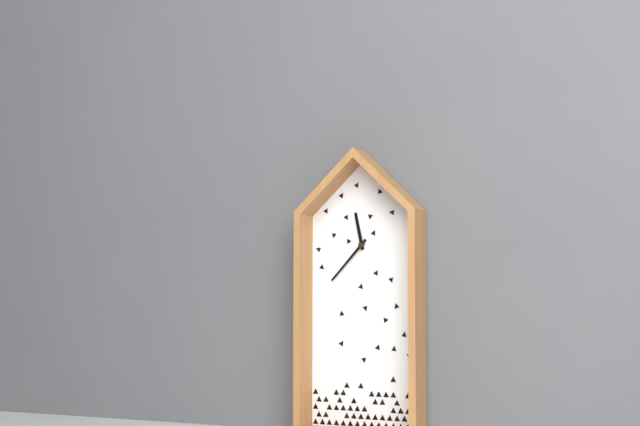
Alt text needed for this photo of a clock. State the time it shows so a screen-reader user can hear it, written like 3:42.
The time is 11:37
